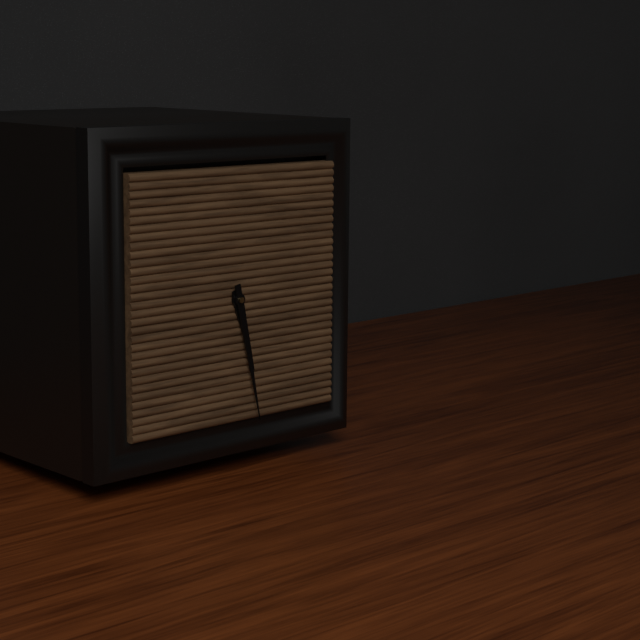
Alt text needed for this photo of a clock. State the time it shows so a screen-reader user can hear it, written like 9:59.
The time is 5:28
